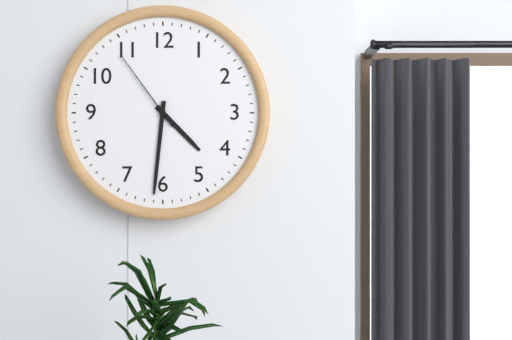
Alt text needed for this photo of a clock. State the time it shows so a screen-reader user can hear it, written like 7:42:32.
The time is 4:31:54
